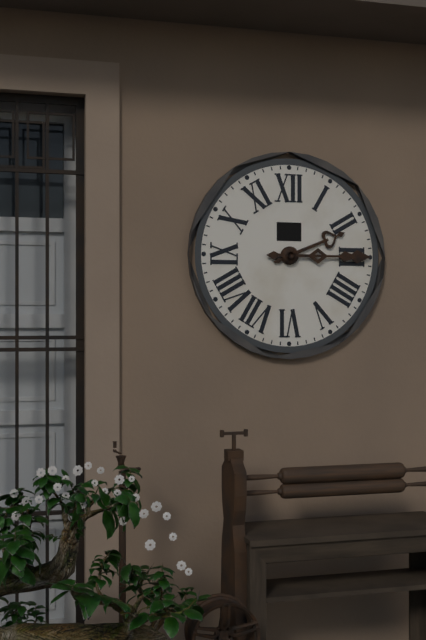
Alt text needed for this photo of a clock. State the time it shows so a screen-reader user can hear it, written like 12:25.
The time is 2:15
